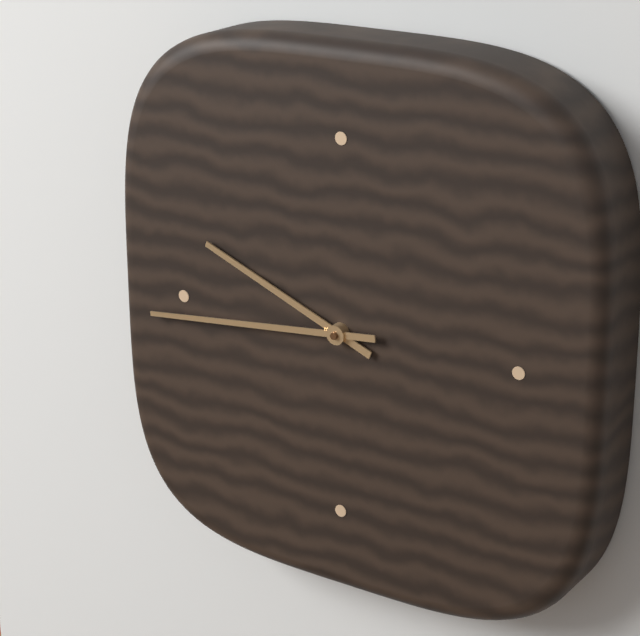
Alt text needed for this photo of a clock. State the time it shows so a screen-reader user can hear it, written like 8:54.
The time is 9:44
